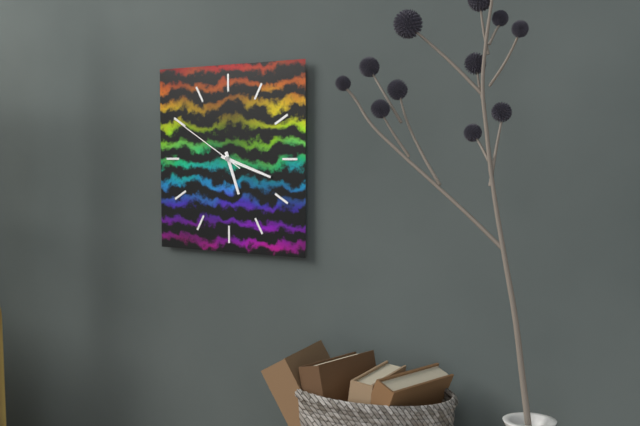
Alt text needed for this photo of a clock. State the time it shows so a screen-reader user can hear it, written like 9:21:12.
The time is 5:18:50
